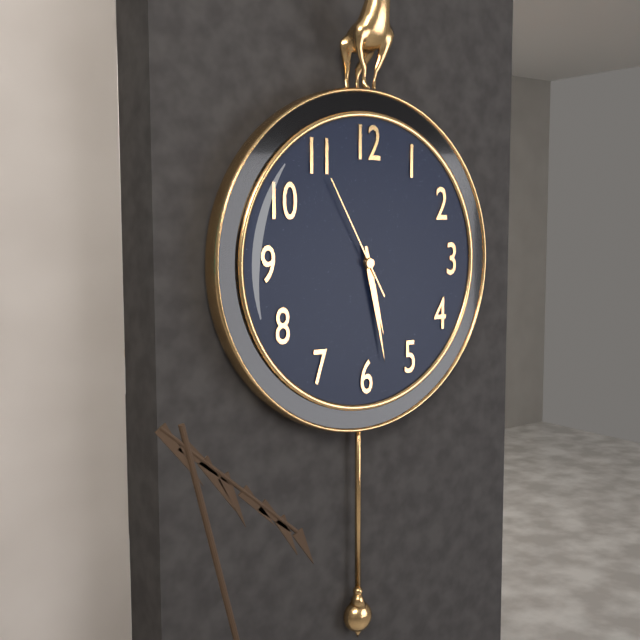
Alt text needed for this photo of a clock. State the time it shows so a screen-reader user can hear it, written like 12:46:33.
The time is 5:28:55
